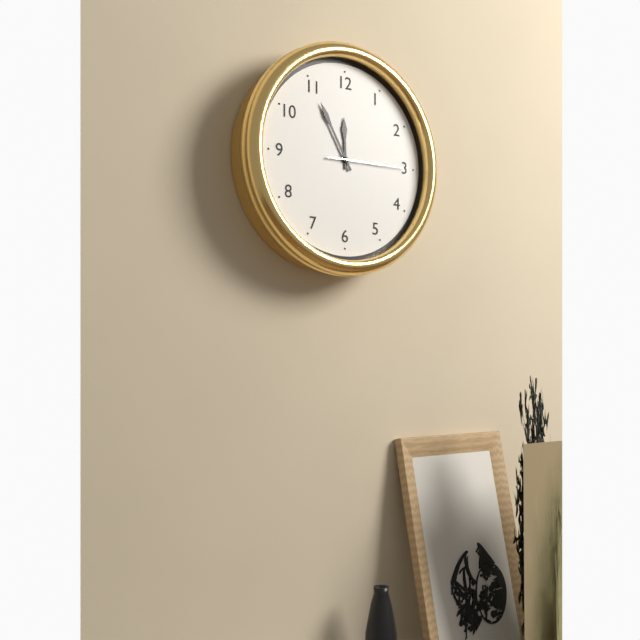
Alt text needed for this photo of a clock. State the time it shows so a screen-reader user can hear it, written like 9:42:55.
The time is 11:55:15
